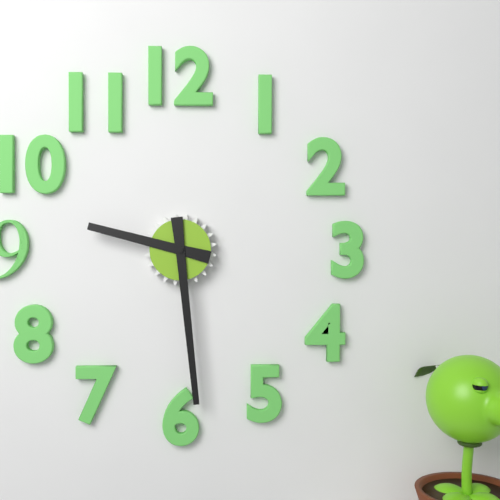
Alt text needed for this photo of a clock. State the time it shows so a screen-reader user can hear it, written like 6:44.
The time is 9:29
